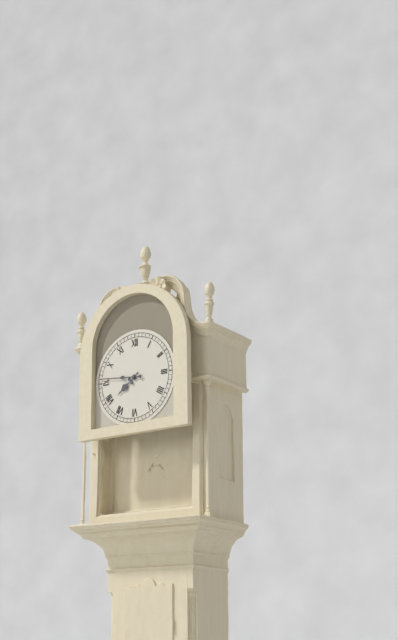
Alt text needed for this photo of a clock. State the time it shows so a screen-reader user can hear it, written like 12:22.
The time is 7:46
